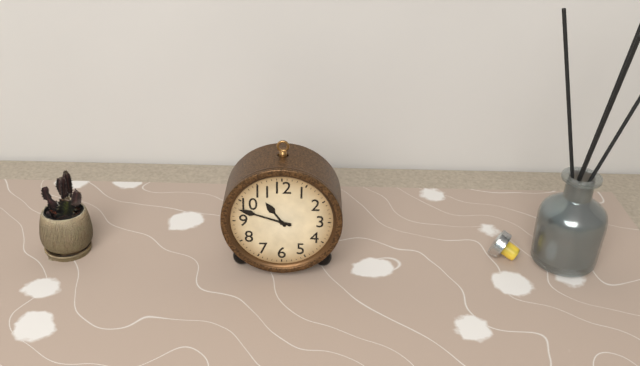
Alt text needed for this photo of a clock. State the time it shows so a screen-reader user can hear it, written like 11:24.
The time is 10:48
